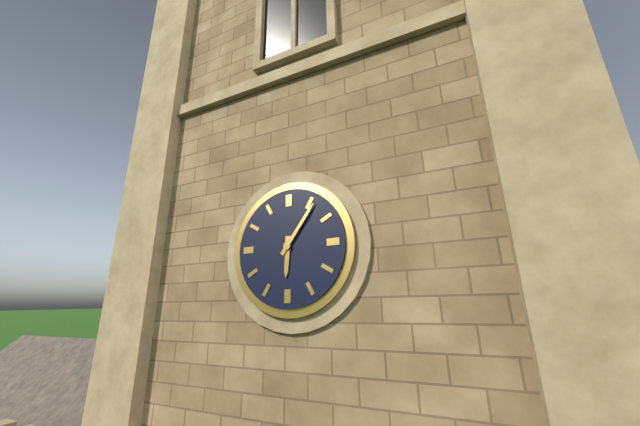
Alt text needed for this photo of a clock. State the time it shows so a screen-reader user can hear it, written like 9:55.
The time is 6:06
